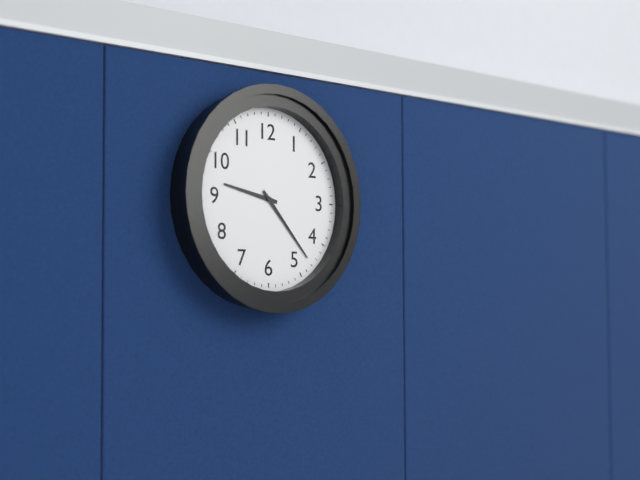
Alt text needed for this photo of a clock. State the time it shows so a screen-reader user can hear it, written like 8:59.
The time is 9:23
